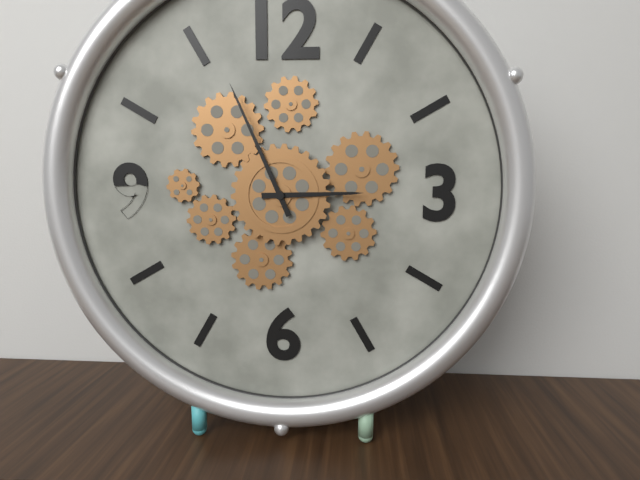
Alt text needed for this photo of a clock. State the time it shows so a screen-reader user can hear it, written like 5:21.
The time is 2:56
